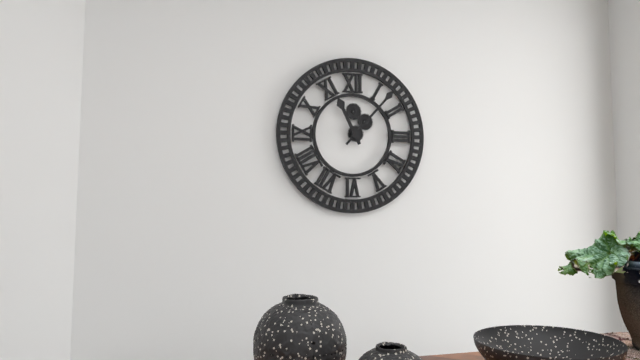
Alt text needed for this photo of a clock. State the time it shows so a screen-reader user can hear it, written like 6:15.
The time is 11:07
